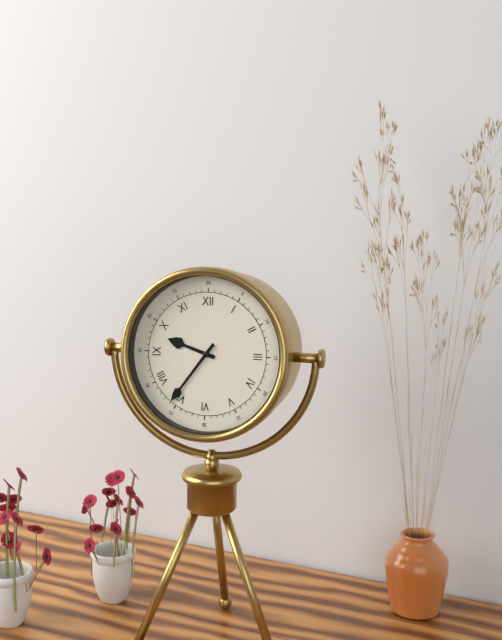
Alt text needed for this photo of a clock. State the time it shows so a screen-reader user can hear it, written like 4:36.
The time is 9:36
